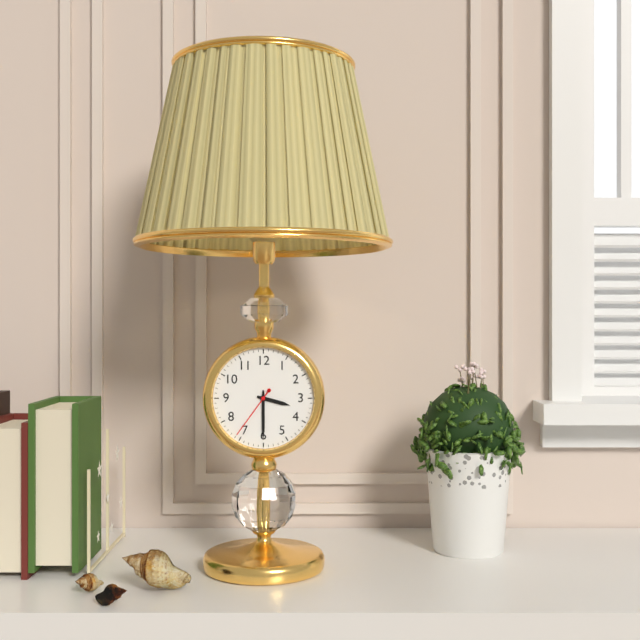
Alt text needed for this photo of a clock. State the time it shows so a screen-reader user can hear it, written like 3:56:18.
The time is 3:30:36
